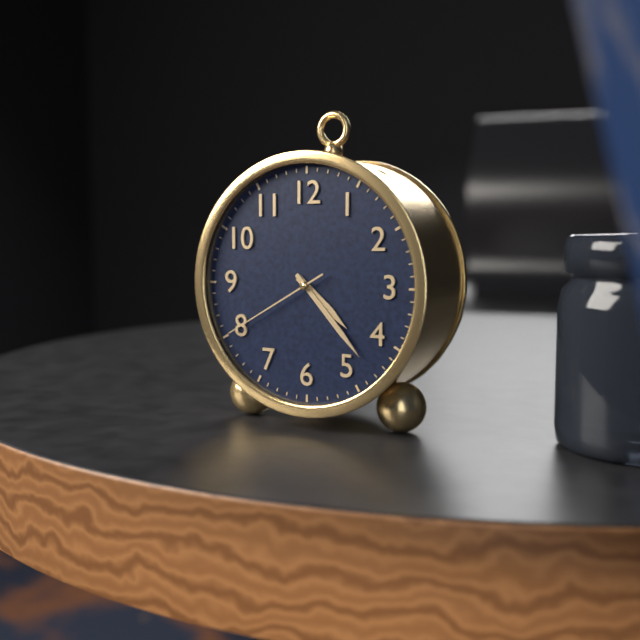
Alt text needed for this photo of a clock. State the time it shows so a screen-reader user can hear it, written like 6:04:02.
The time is 4:23:40
